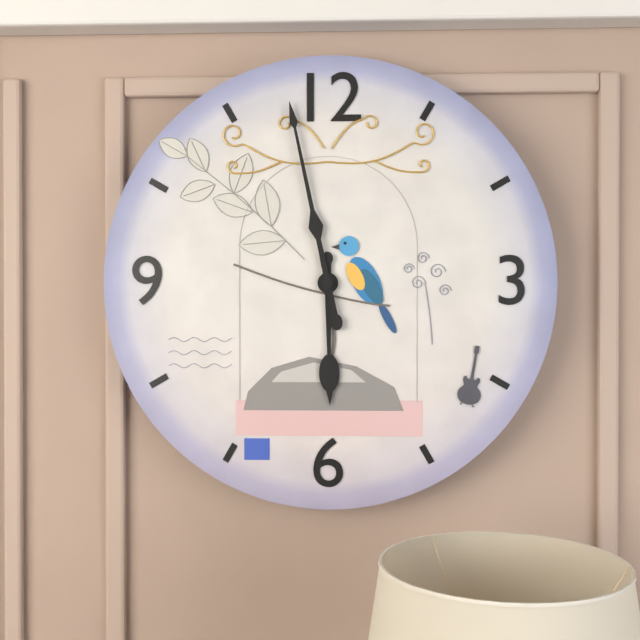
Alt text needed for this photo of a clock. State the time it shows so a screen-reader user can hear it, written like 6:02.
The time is 5:58
